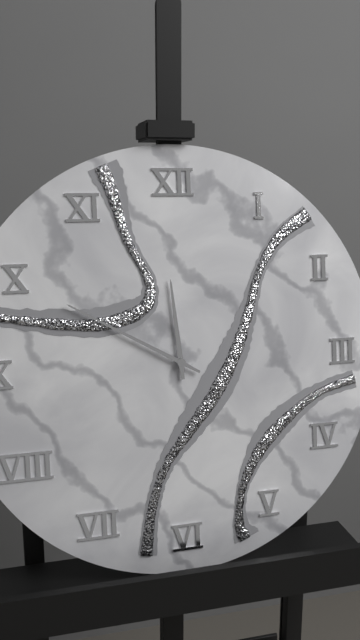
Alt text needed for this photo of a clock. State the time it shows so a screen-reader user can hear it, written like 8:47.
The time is 11:50
